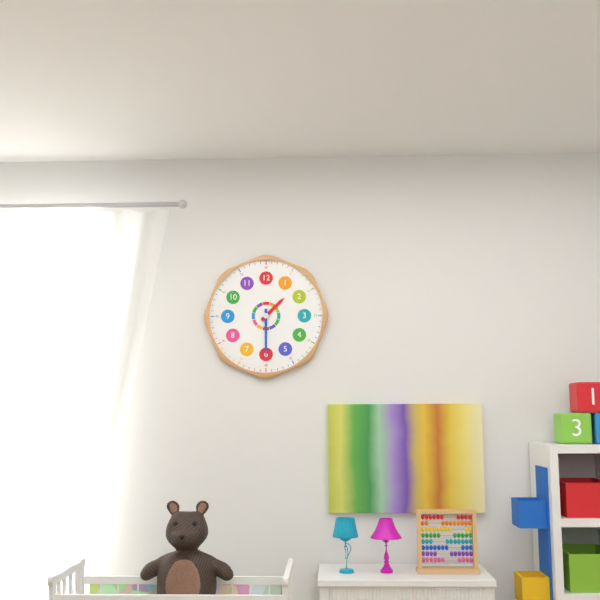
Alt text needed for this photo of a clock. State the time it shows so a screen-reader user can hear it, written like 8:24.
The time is 1:30
